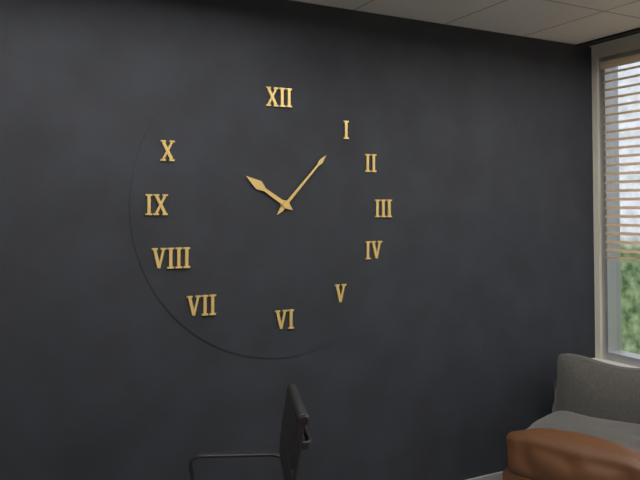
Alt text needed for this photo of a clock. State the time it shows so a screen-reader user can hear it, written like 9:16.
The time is 10:07
